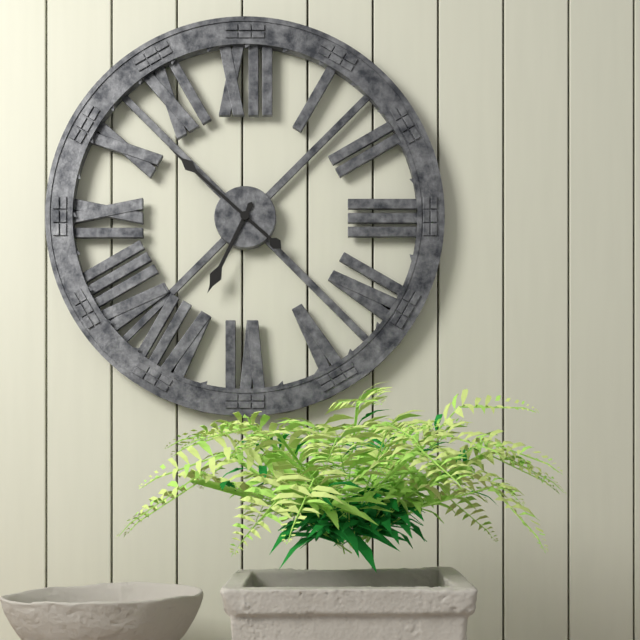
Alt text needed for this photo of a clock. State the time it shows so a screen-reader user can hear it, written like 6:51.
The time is 6:52
